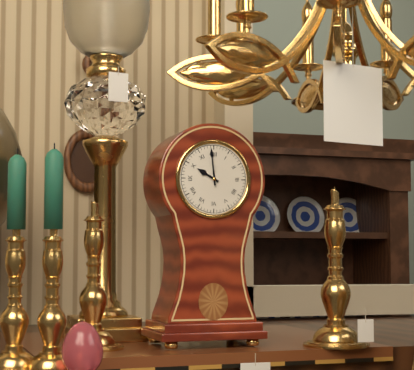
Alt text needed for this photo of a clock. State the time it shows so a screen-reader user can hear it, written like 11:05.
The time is 9:59
